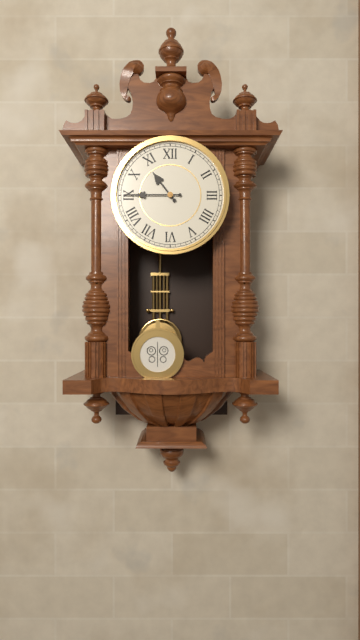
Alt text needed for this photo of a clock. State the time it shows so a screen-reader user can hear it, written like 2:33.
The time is 10:45
